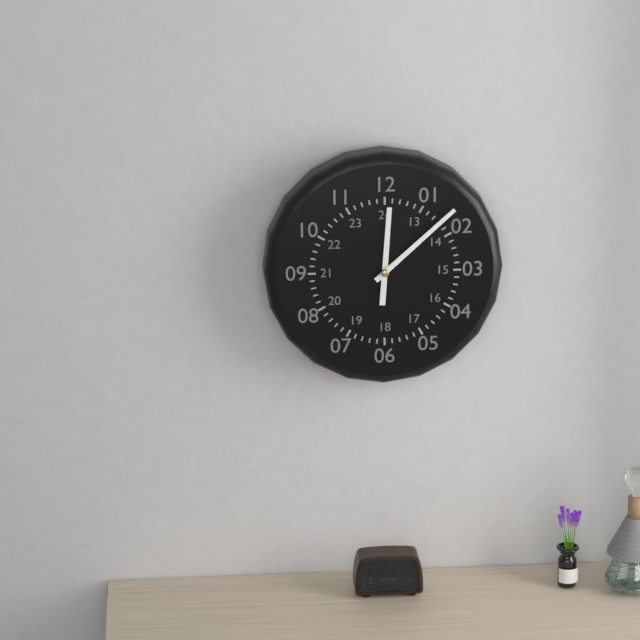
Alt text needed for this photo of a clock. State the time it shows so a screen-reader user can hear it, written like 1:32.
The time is 12:08
